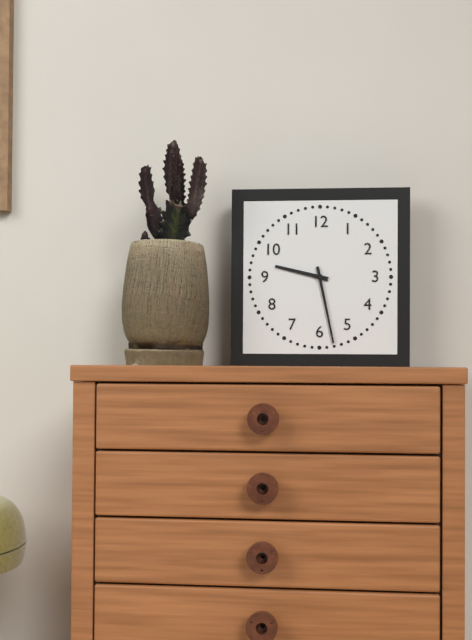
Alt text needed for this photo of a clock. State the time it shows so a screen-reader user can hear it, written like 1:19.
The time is 9:28
